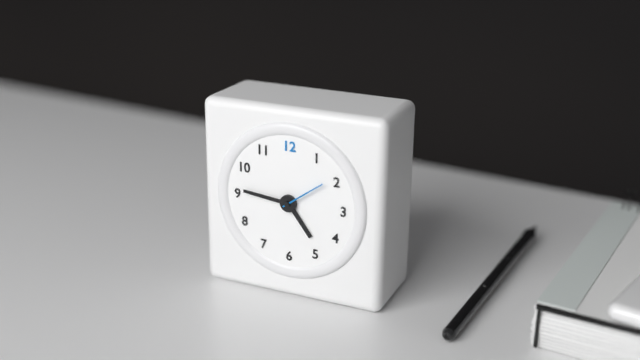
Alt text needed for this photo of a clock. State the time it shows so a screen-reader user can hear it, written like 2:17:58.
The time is 4:46:09
